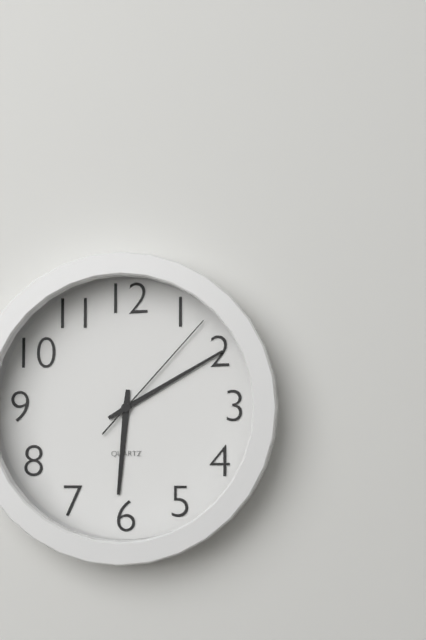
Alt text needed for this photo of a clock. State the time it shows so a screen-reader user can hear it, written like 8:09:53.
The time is 6:10:07
